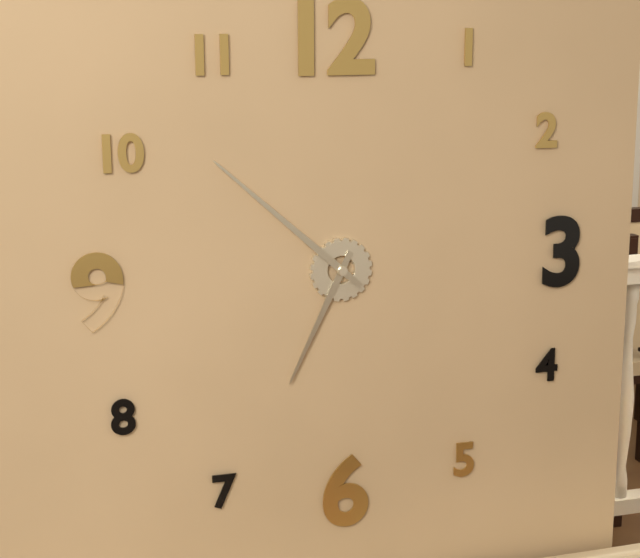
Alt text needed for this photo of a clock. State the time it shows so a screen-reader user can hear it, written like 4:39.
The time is 6:52
